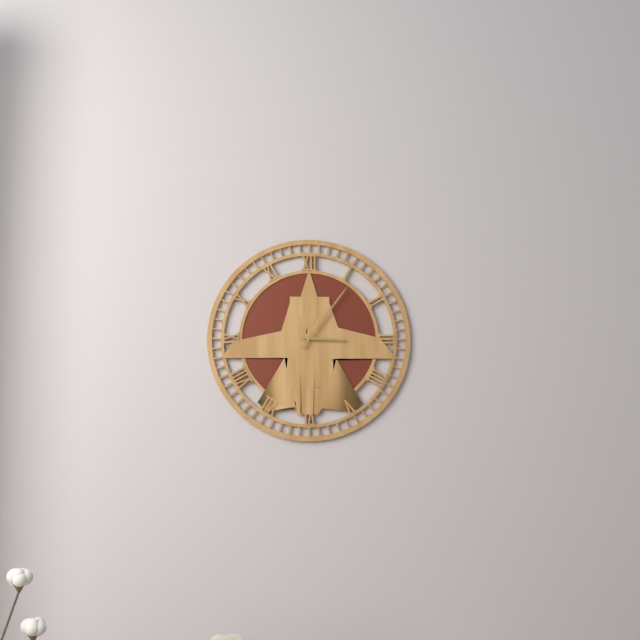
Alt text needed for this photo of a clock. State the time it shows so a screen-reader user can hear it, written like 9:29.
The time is 3:06
